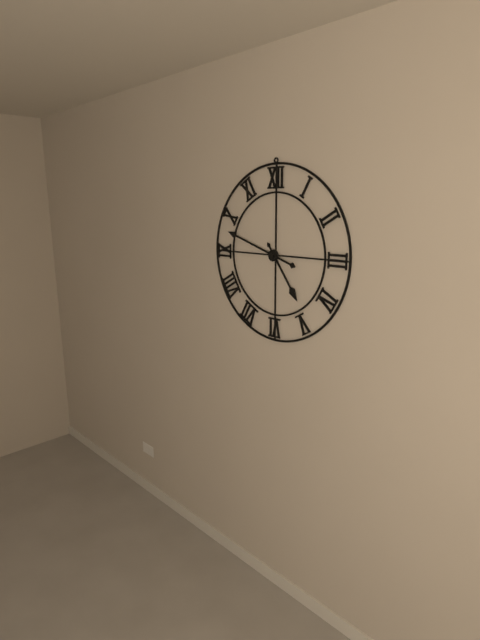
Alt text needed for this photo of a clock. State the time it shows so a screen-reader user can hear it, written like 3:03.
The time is 4:48
